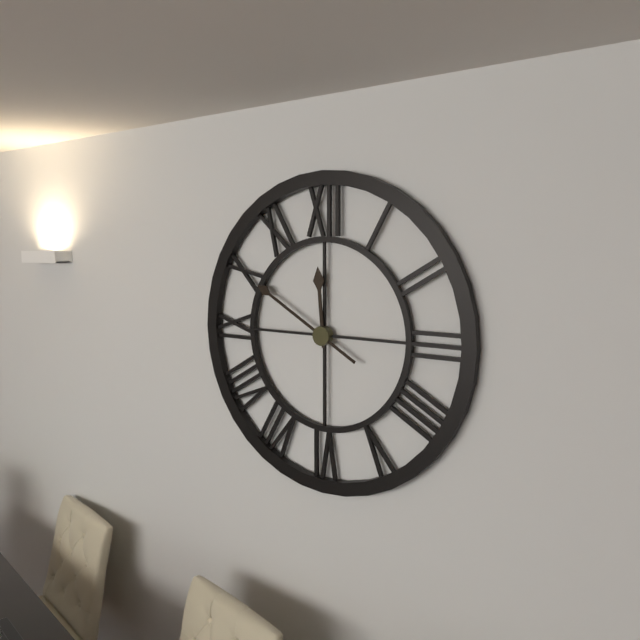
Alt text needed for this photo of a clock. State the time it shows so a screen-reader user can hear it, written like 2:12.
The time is 11:50
